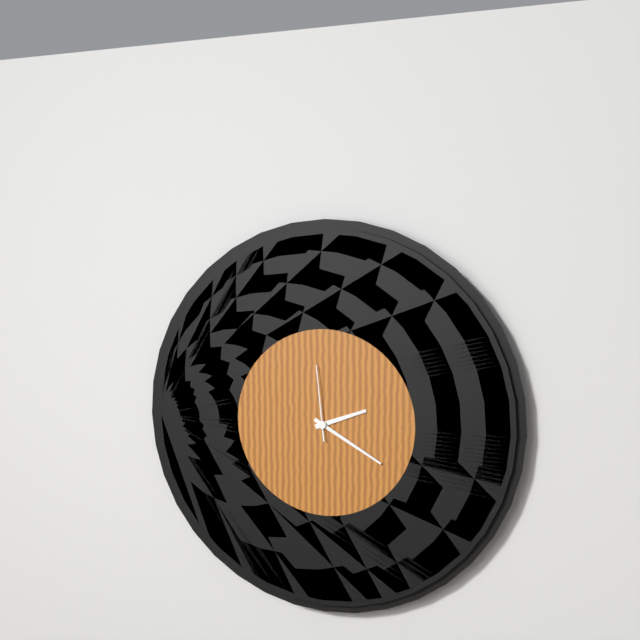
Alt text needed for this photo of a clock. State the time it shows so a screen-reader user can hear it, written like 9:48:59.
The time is 2:20:59
